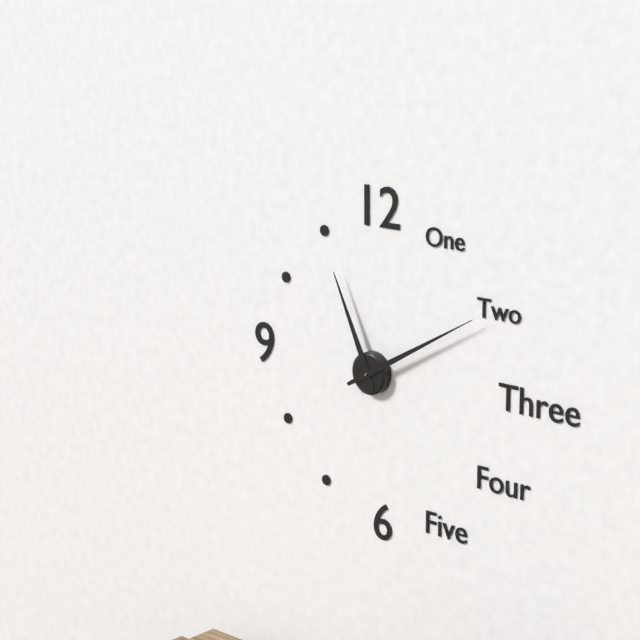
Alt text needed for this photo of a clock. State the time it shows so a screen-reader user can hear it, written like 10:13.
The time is 11:10
